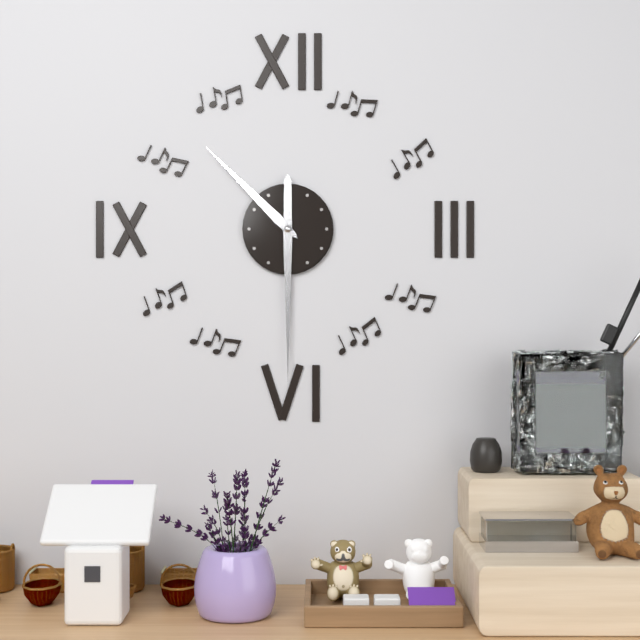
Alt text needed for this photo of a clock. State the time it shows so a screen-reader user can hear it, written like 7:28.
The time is 10:30
